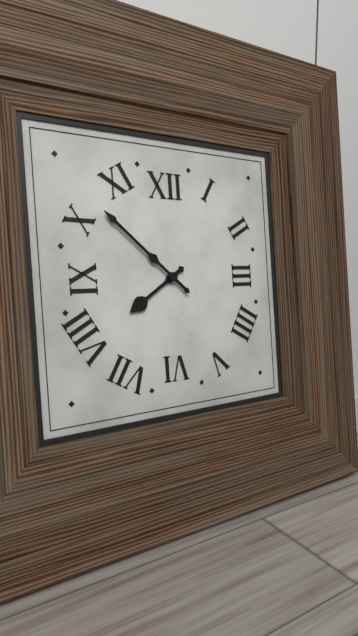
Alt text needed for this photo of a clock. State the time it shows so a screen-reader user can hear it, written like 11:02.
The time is 7:52
